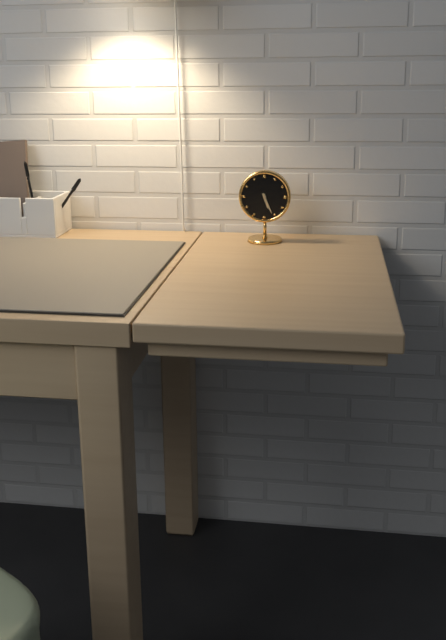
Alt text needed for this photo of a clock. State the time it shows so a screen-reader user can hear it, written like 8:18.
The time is 5:26
